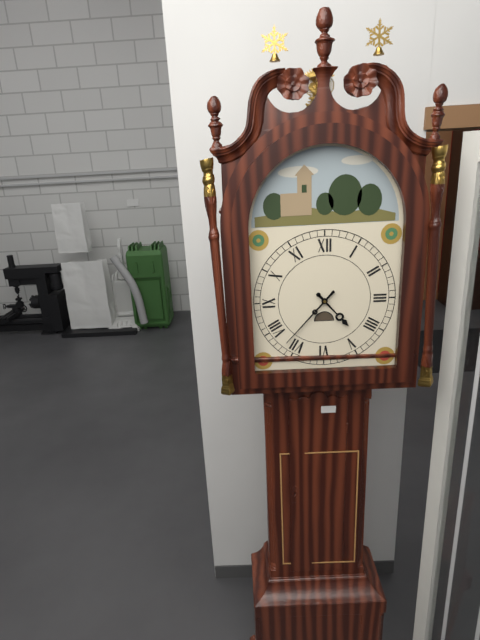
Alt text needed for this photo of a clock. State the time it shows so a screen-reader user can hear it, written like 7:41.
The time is 4:37
